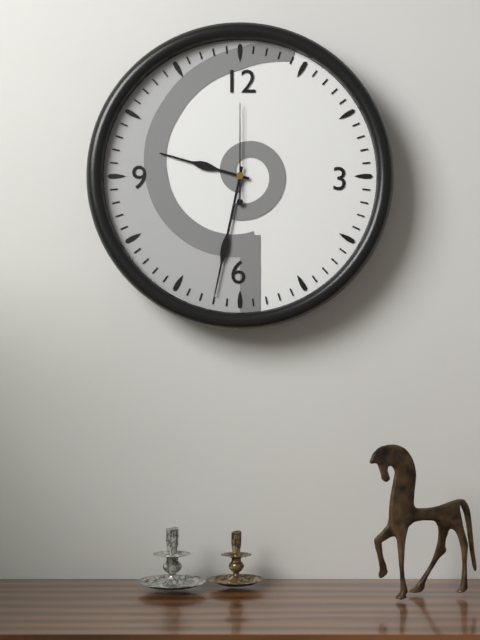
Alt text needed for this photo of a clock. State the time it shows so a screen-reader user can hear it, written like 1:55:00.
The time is 9:32:00
